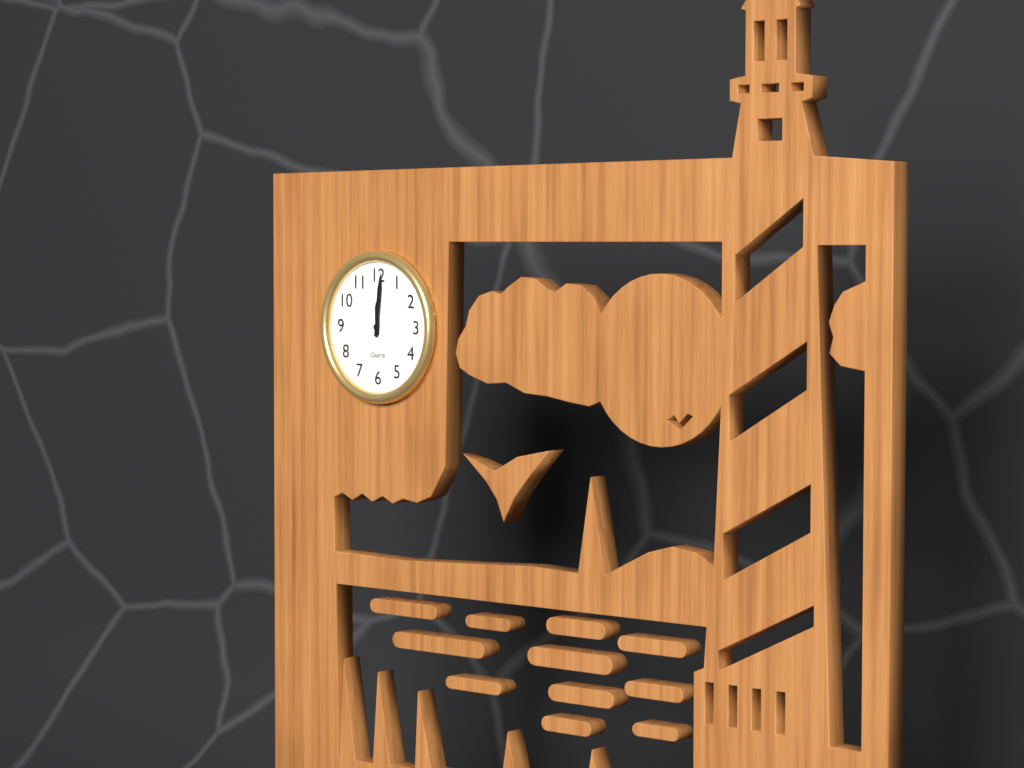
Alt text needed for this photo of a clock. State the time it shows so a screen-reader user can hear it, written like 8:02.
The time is 12:01
